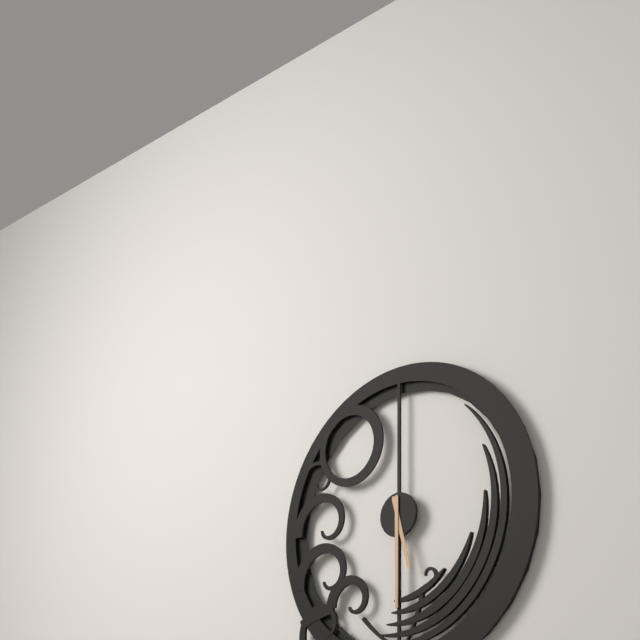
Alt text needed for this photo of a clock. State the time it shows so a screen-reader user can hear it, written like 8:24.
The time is 5:30
